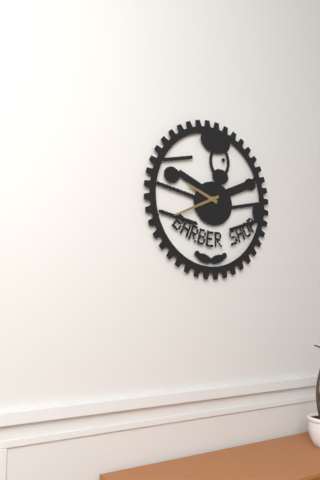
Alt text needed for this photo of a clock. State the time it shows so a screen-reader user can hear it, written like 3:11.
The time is 9:41
